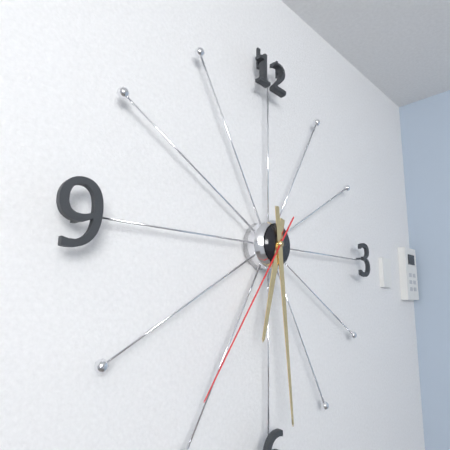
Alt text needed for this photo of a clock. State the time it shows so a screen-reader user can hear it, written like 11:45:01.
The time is 6:29:36
